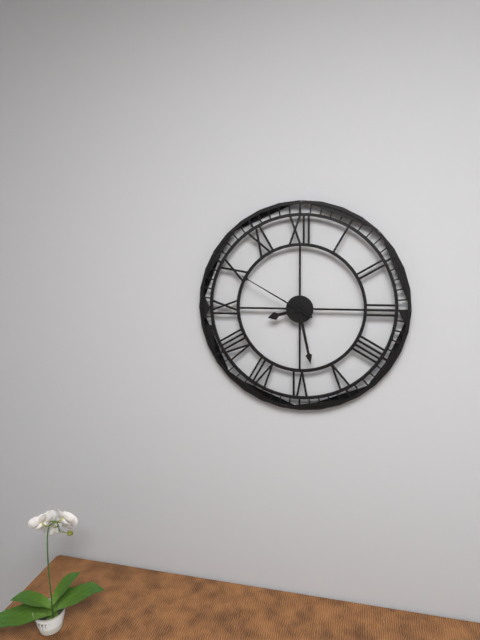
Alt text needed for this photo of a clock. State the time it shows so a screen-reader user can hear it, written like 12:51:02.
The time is 8:28:50
